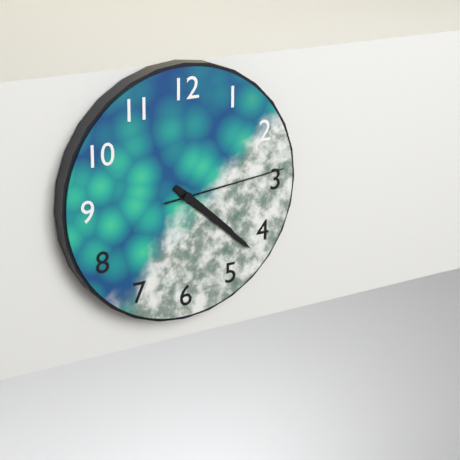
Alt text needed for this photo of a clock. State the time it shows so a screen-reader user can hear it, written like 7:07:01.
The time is 4:22:14
